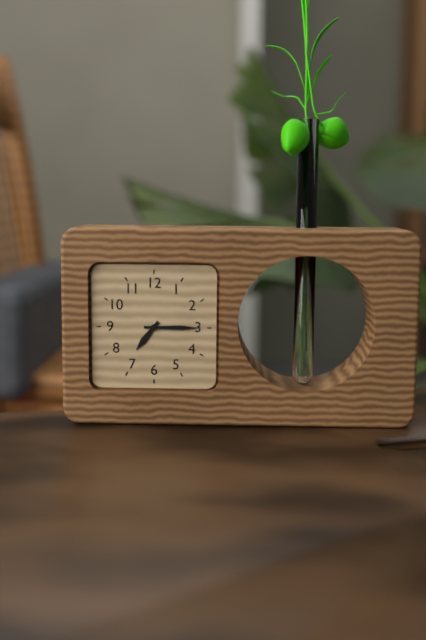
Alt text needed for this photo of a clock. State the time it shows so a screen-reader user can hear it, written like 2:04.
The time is 7:15
